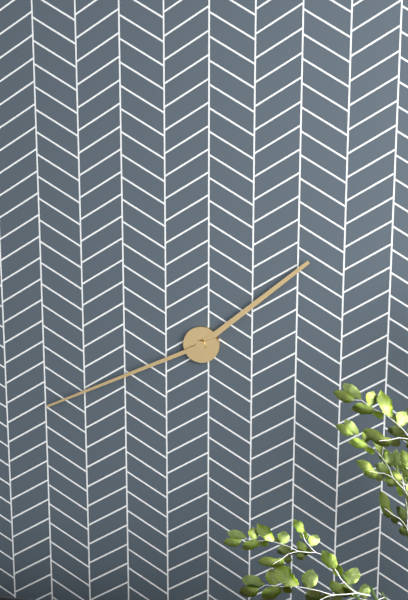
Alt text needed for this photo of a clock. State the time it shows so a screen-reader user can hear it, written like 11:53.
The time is 1:41
